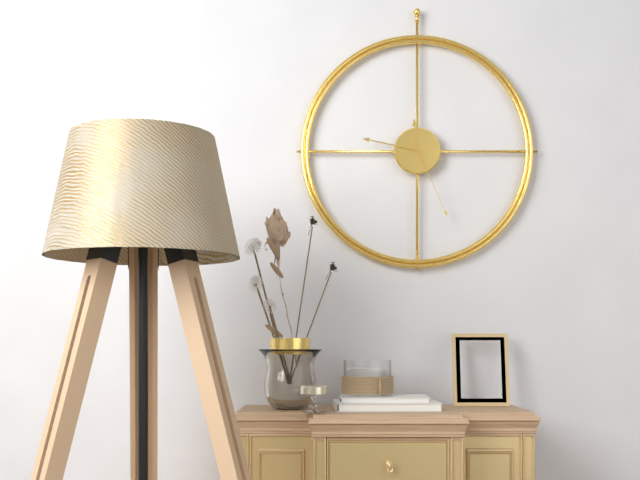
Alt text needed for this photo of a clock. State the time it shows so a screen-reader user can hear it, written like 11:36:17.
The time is 11:47:26
